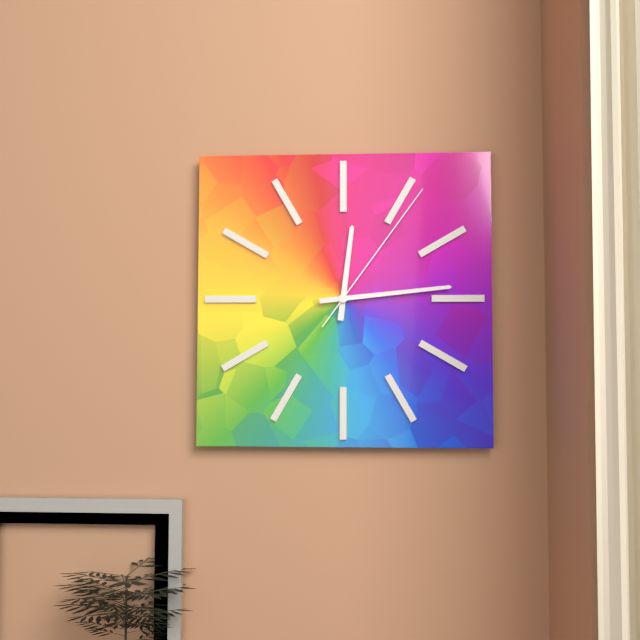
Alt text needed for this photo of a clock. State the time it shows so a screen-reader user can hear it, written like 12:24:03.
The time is 12:14:06
